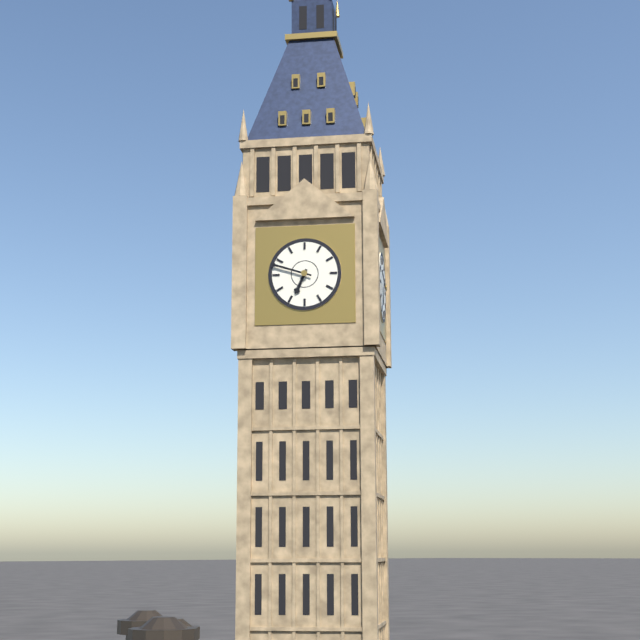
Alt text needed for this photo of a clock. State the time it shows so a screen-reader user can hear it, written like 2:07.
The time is 6:48
